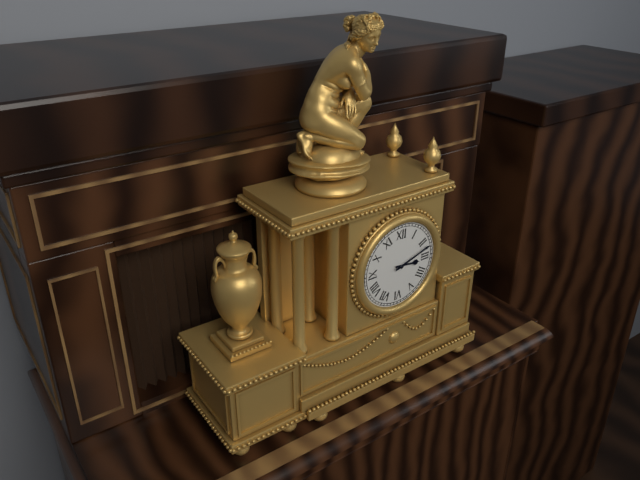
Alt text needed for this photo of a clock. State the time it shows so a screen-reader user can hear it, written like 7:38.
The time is 3:12
